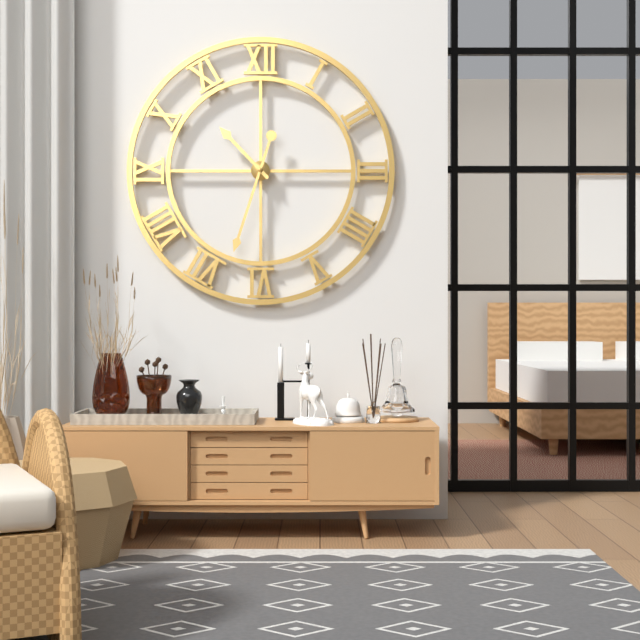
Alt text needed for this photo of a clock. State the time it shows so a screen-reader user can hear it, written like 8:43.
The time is 10:33
